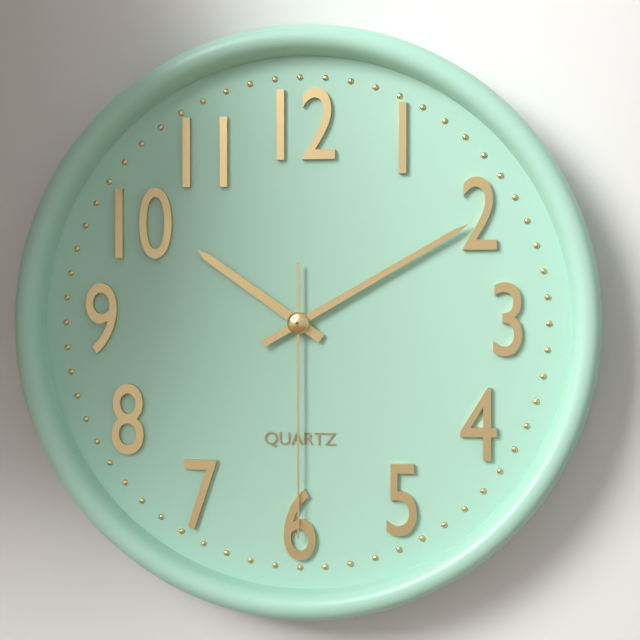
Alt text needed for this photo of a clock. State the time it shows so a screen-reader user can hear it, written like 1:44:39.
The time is 10:10:30
